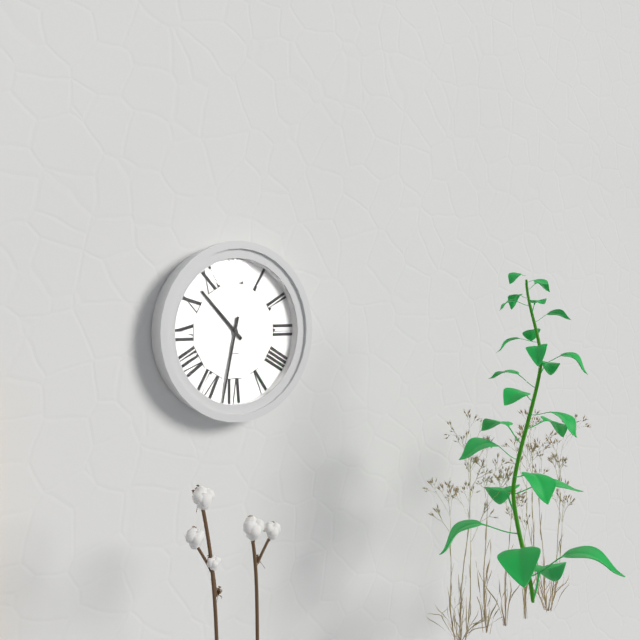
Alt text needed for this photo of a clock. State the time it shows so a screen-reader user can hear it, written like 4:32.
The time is 10:32
